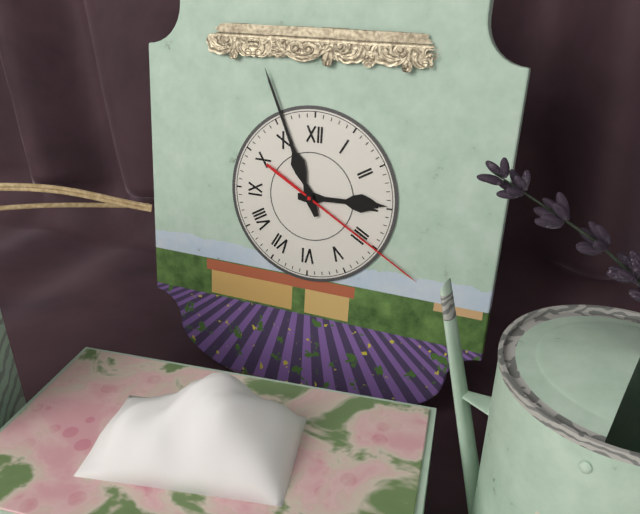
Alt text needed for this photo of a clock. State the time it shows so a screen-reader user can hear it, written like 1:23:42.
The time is 2:56:20
